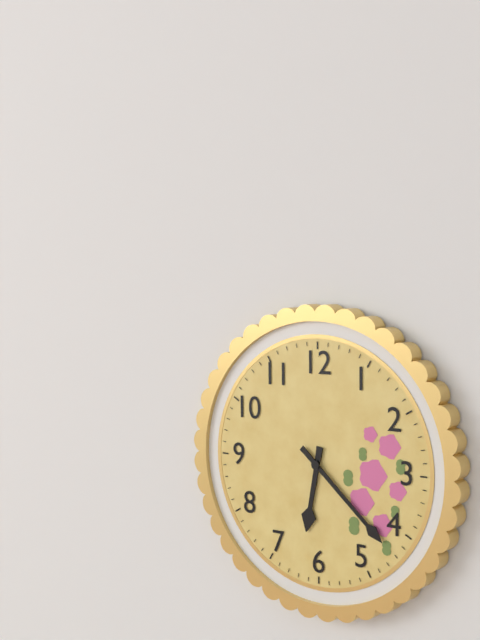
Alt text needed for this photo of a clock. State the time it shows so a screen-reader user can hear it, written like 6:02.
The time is 6:22
